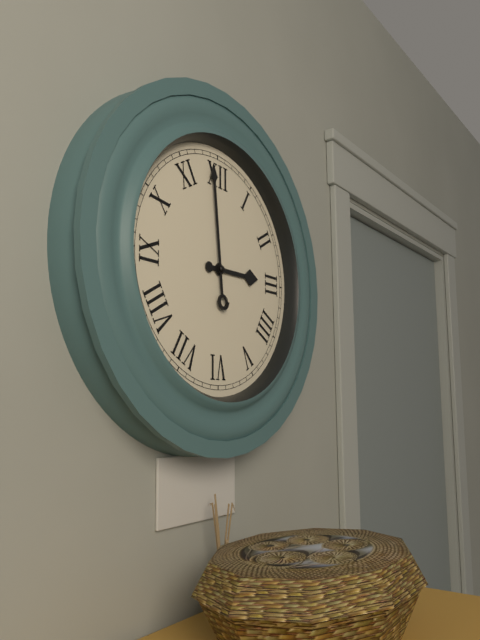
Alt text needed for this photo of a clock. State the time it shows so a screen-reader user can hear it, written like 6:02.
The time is 2:59
